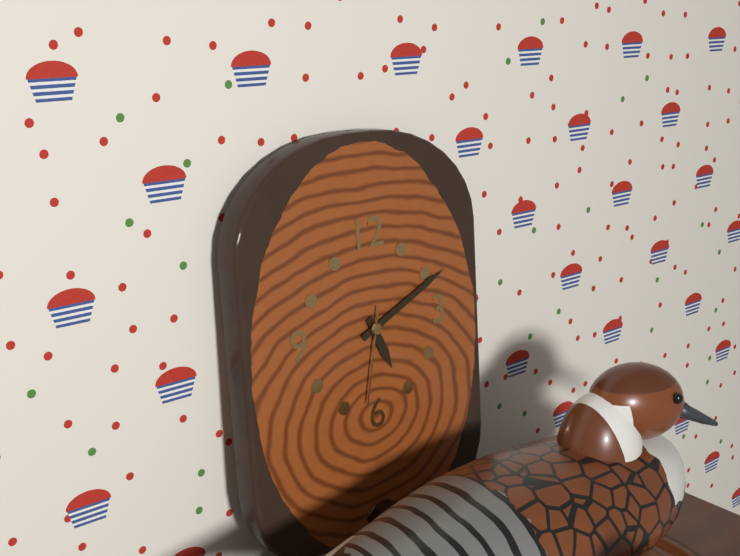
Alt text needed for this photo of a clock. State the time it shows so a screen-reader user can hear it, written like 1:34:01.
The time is 5:11:32
